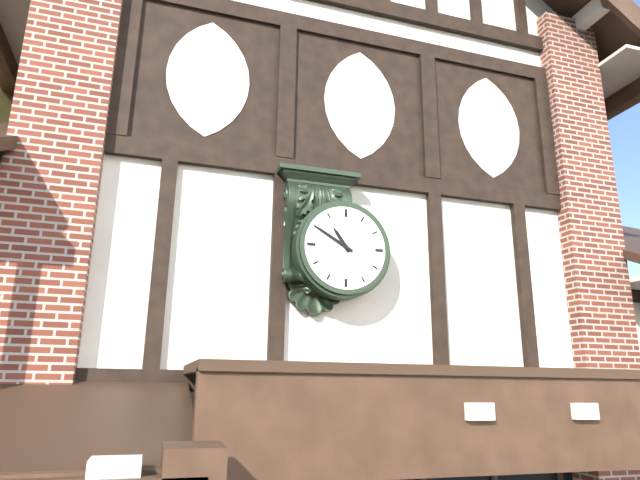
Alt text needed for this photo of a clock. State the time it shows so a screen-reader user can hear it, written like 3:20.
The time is 10:50
